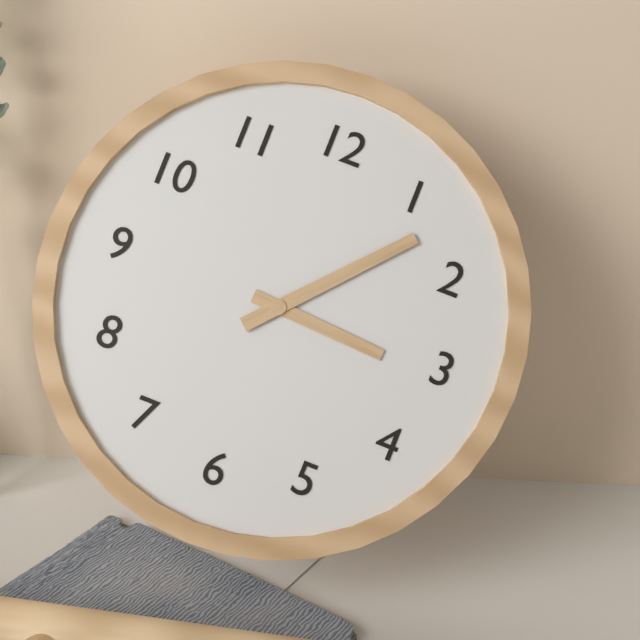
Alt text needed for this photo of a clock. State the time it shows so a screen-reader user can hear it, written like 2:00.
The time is 3:07
